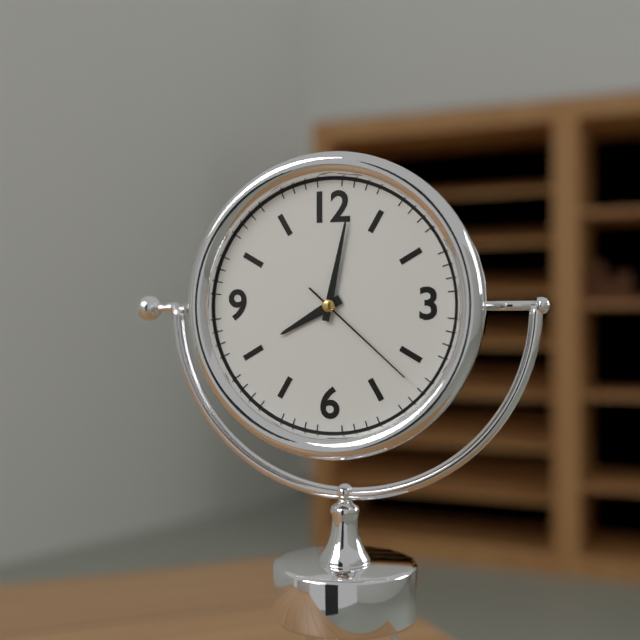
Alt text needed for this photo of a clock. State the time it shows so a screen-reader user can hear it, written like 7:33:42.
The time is 8:02:22
